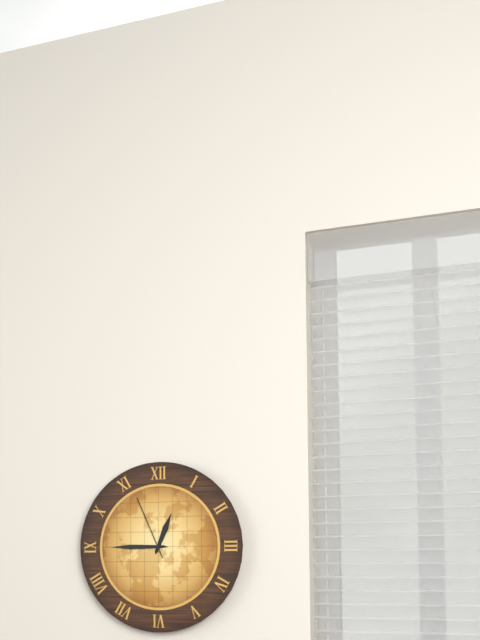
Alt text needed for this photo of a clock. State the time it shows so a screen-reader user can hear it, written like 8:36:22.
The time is 12:45:56
